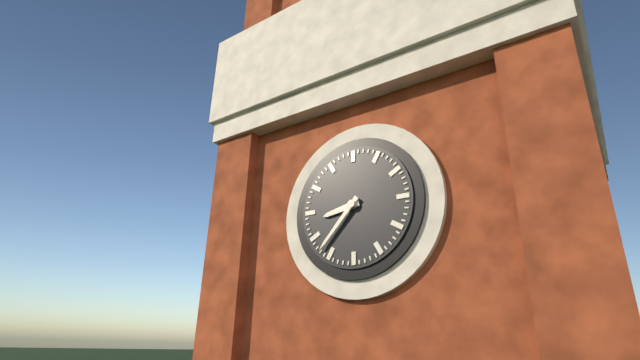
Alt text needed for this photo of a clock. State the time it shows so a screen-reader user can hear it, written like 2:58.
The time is 8:37
